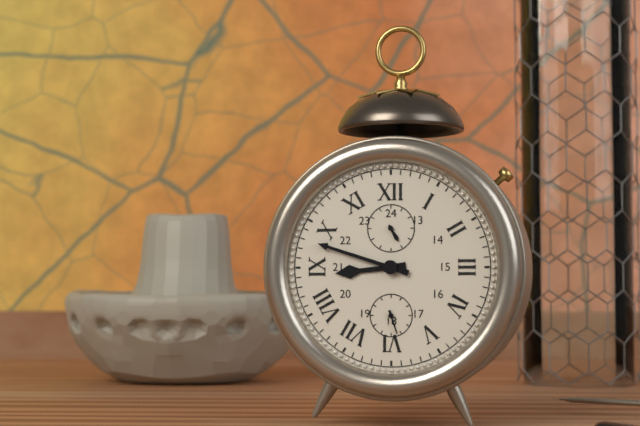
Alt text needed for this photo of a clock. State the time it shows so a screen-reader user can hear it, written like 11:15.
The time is 8:48
